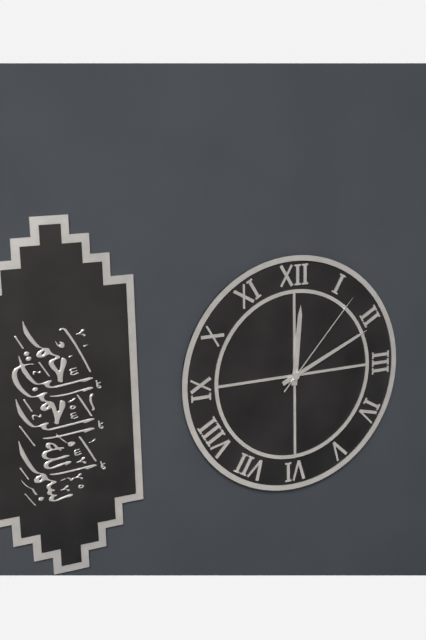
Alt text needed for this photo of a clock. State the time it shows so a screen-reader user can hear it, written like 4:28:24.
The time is 12:11:07
